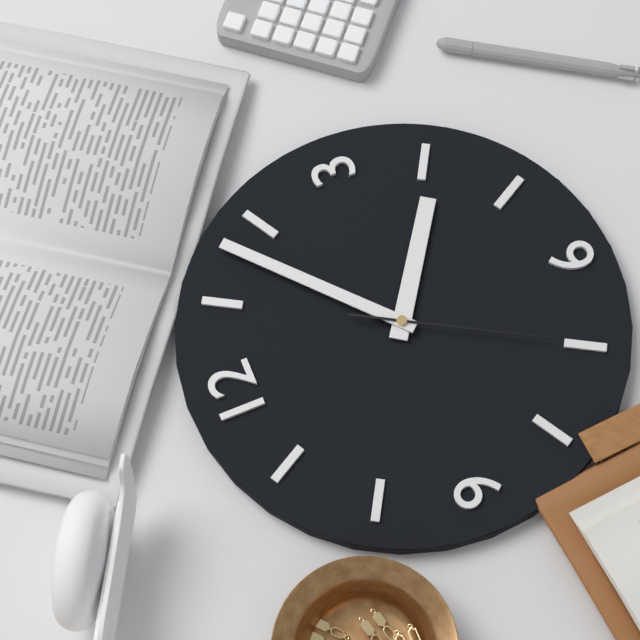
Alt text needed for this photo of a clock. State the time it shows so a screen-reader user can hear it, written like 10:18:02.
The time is 4:08:35
